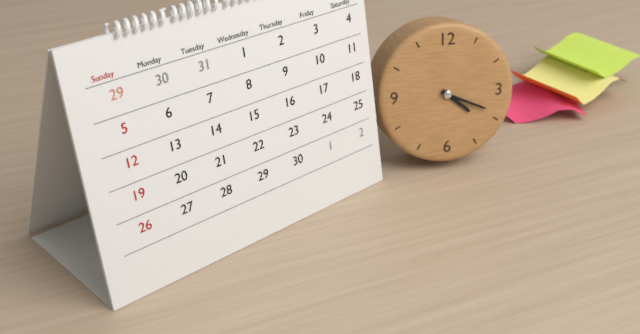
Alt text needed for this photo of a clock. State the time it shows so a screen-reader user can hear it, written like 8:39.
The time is 4:19
